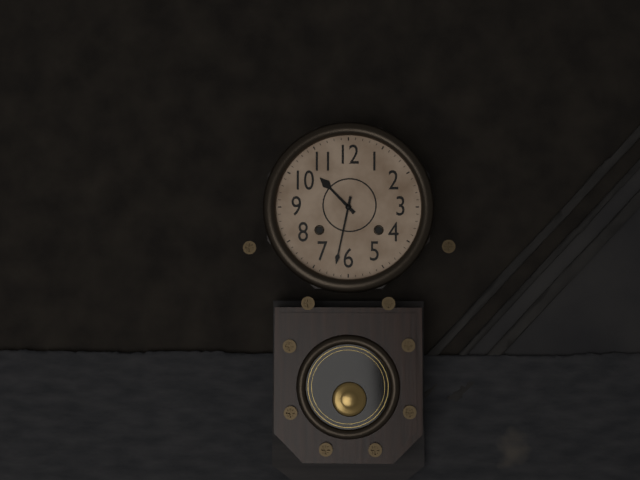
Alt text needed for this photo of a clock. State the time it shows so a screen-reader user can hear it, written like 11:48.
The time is 10:32
